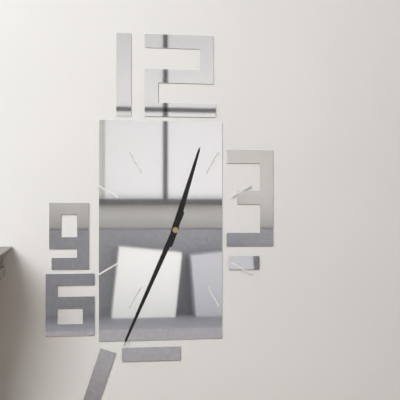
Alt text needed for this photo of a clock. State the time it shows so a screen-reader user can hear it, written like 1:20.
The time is 12:34
